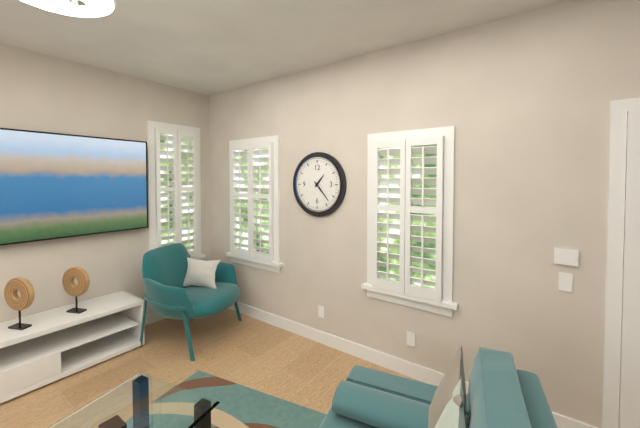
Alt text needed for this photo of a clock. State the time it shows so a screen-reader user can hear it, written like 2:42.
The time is 1:23
